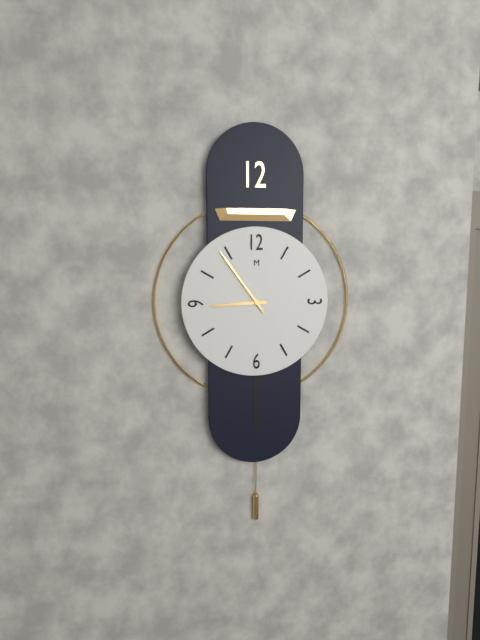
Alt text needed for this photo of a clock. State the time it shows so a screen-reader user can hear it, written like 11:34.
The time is 8:54
